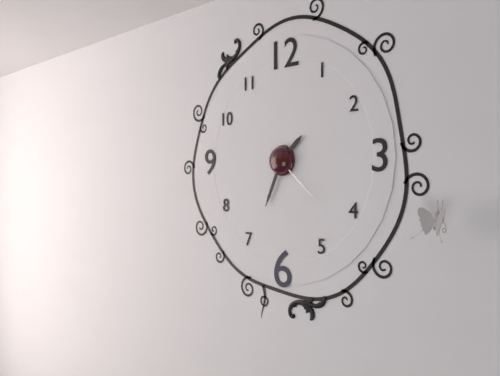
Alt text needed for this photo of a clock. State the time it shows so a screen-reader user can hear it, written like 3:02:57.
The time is 1:34:22
